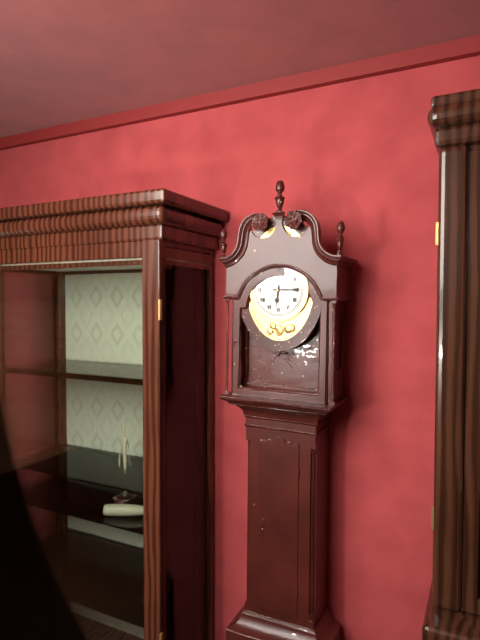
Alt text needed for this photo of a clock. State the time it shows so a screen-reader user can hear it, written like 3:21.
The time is 6:15
